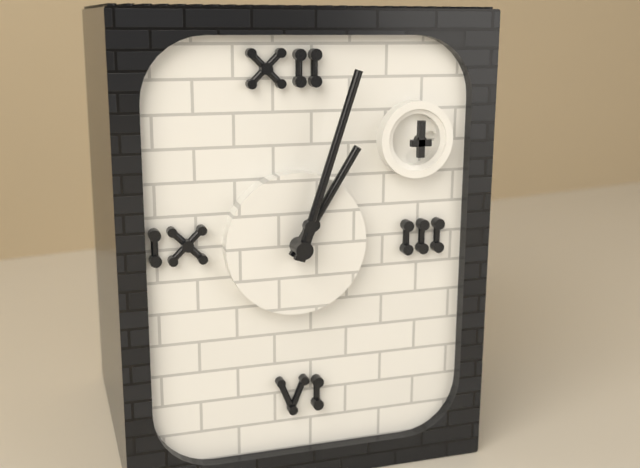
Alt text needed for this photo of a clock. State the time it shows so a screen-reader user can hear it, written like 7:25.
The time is 1:03
